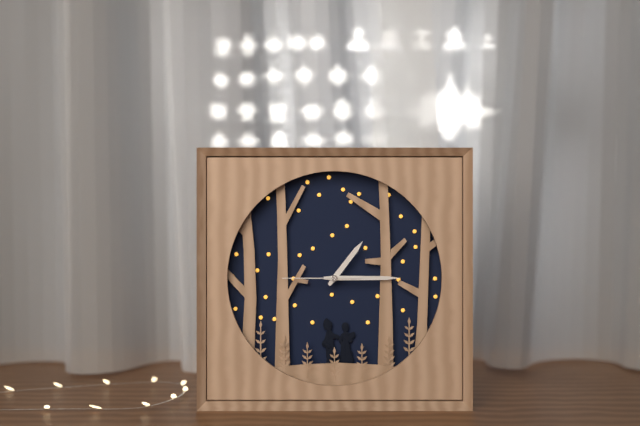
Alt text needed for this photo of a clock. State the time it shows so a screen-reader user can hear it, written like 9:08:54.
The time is 1:15:45
